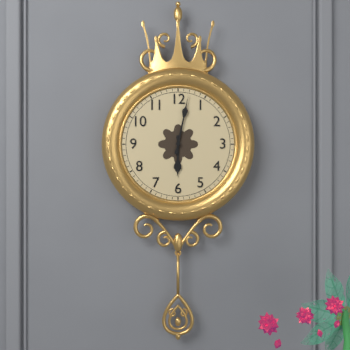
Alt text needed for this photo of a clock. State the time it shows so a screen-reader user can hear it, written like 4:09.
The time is 6:02
